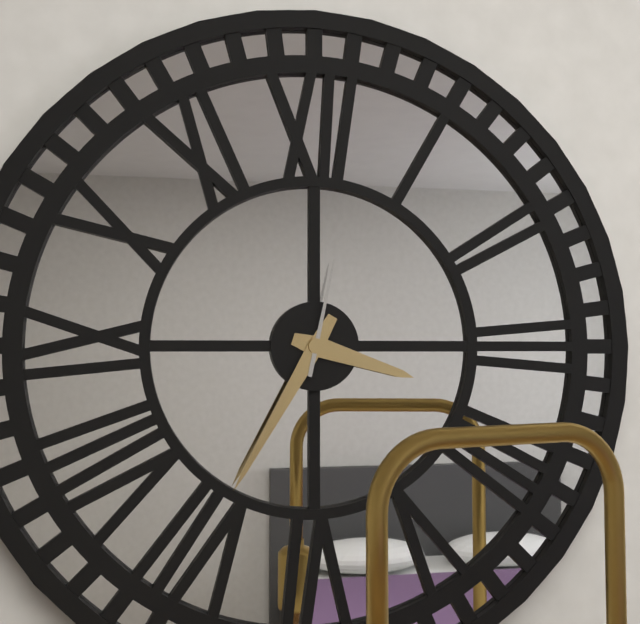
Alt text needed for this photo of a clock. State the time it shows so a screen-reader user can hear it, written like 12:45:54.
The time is 3:35:02
